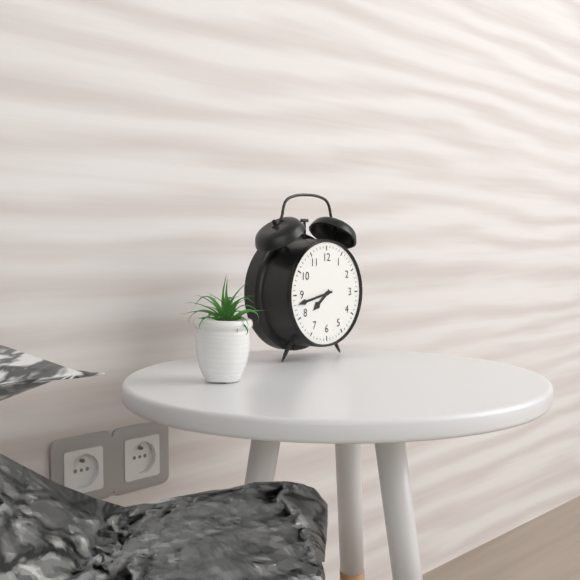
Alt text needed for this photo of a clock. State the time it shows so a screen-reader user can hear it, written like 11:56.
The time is 7:43
